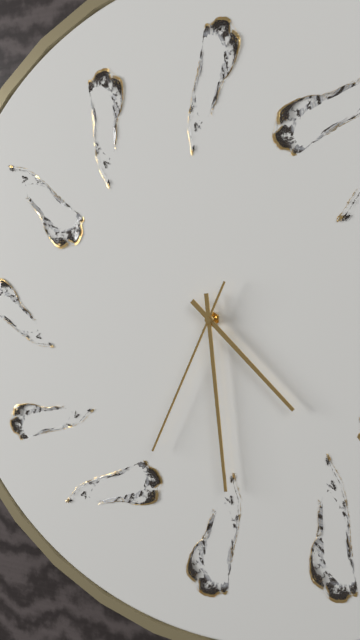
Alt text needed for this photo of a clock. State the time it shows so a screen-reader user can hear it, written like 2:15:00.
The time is 4:29:34
